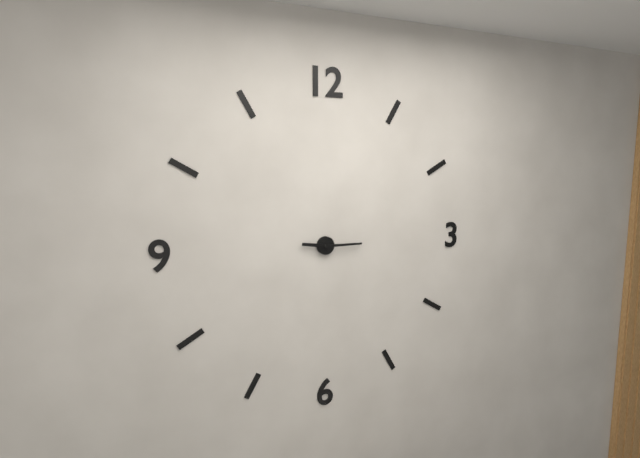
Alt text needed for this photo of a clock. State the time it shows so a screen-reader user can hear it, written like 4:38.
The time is 9:15
